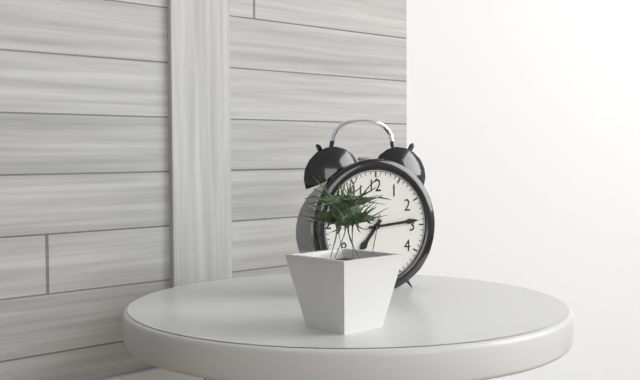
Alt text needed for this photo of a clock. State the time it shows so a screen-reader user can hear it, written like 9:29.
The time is 7:14
